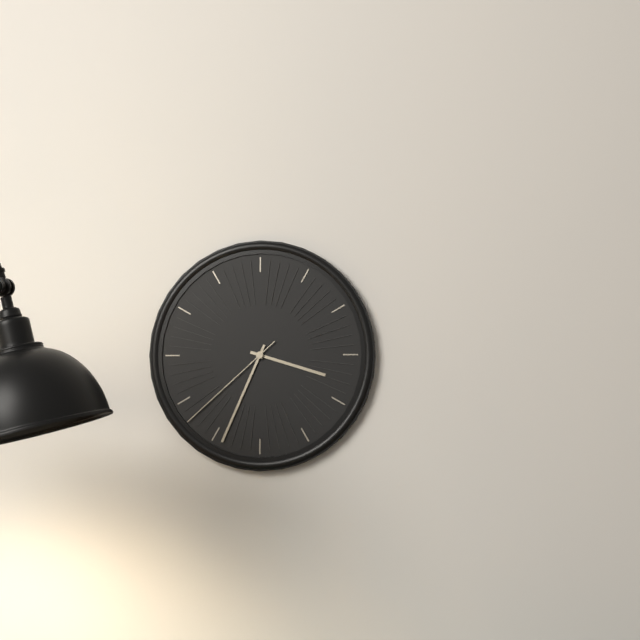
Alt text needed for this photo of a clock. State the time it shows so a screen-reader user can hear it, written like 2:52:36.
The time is 3:34:38
